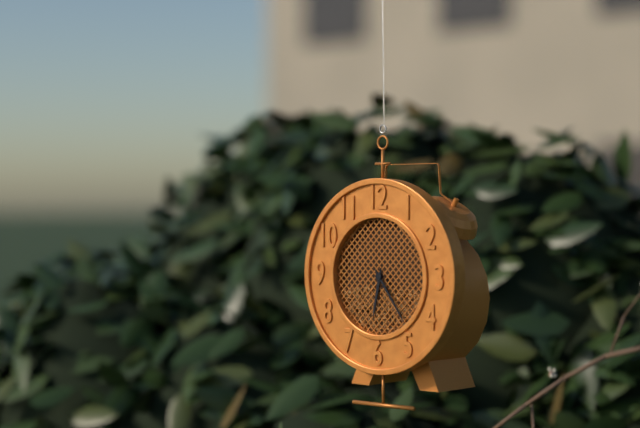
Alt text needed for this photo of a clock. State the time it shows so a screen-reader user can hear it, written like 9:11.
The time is 6:24
